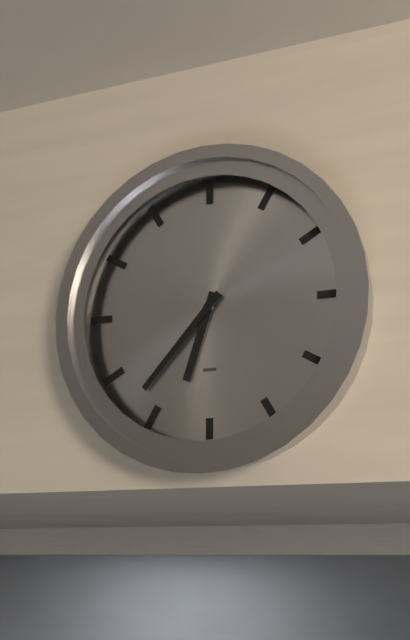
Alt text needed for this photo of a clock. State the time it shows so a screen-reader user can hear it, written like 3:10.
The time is 6:37
